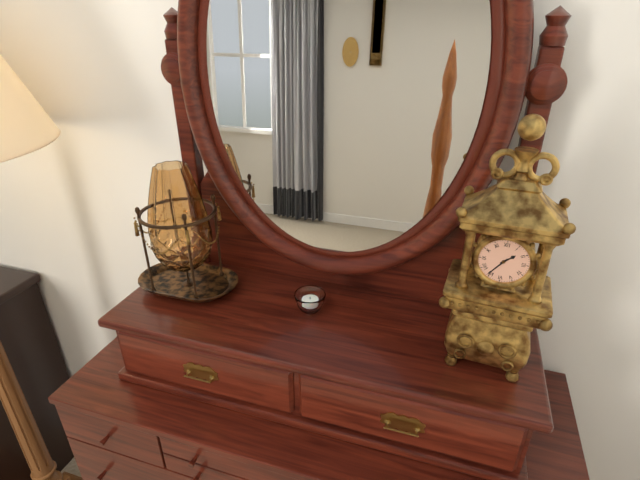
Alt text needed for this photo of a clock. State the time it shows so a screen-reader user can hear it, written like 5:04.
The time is 1:36
